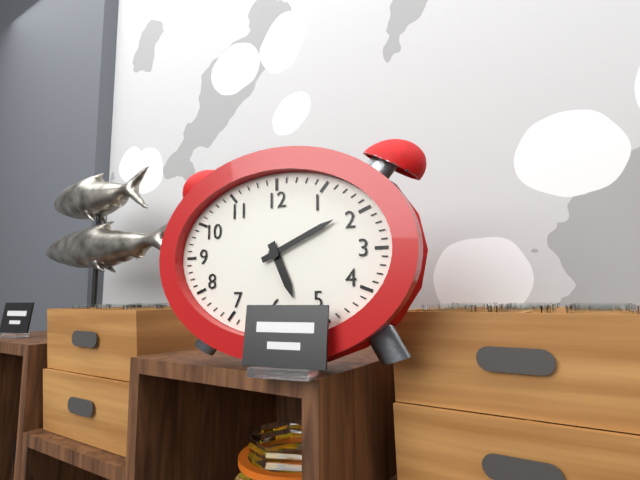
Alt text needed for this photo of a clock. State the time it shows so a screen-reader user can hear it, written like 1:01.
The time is 5:11
